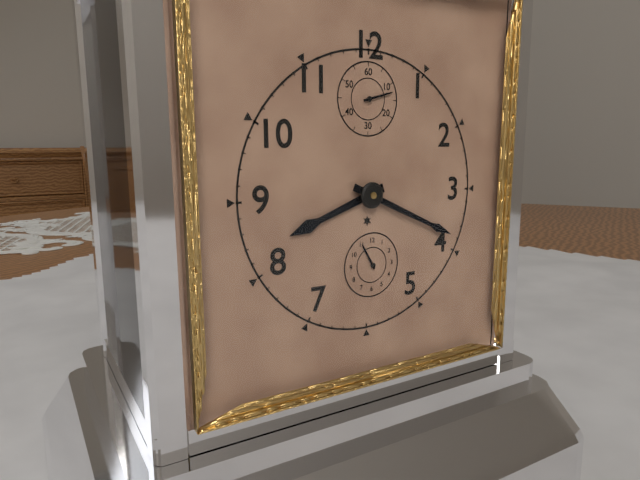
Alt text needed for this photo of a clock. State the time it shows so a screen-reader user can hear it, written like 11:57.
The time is 8:19
